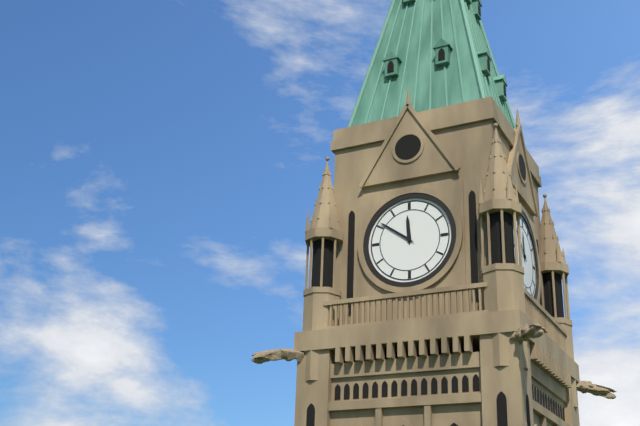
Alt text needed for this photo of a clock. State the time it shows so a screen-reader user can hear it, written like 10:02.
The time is 11:51
